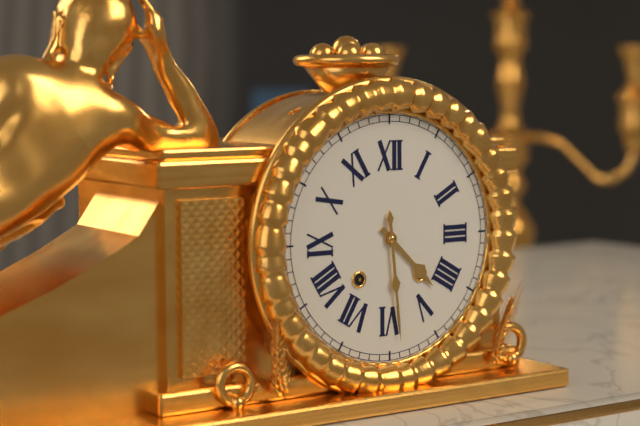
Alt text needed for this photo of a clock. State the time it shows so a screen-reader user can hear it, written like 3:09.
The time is 4:29
